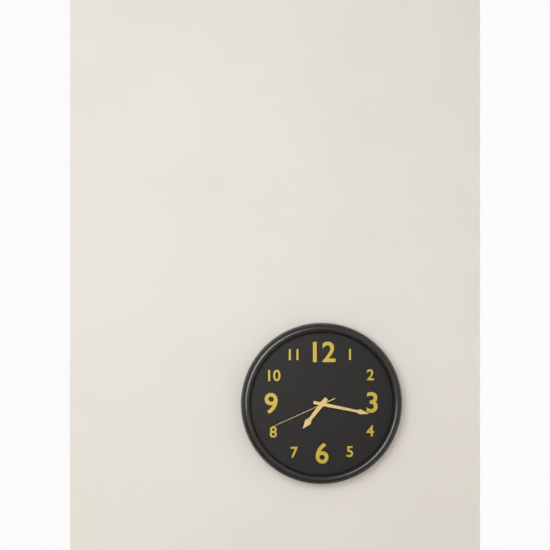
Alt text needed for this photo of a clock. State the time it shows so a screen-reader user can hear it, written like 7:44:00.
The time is 7:17:41
